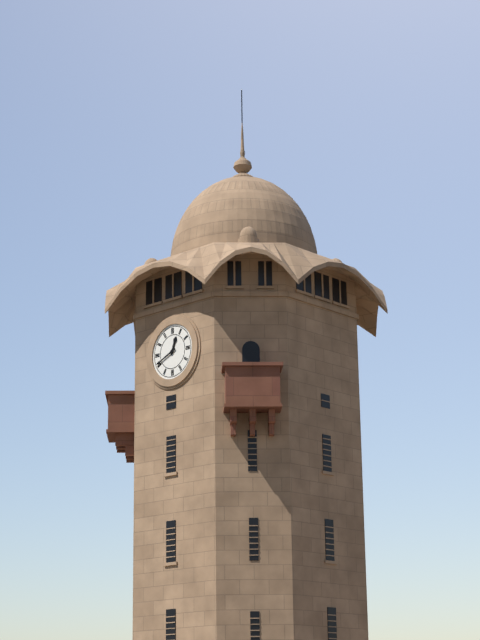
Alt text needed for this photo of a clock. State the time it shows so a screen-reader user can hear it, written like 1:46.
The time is 12:41
